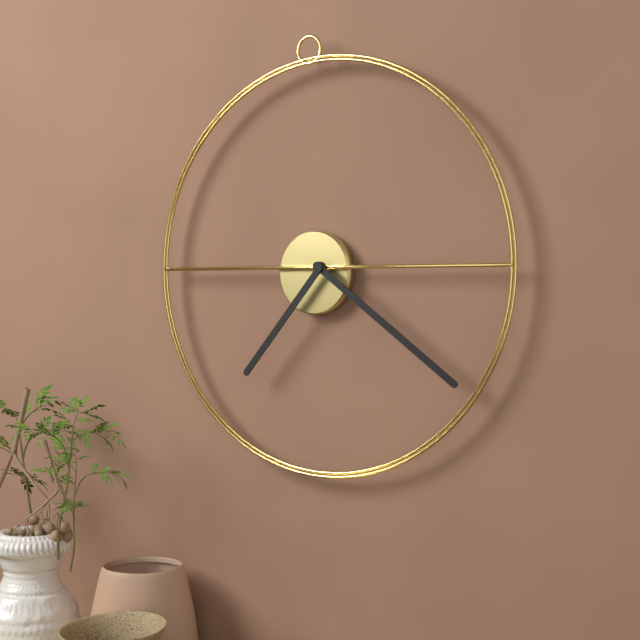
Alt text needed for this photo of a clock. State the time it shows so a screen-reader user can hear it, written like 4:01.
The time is 7:21
